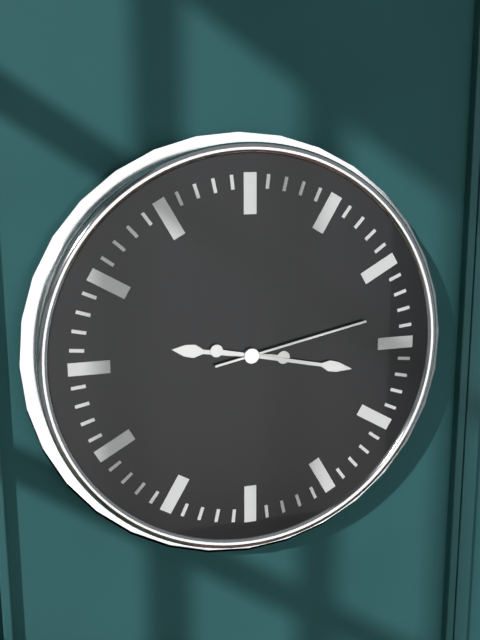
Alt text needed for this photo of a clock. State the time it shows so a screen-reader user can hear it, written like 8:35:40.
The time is 9:17:13
